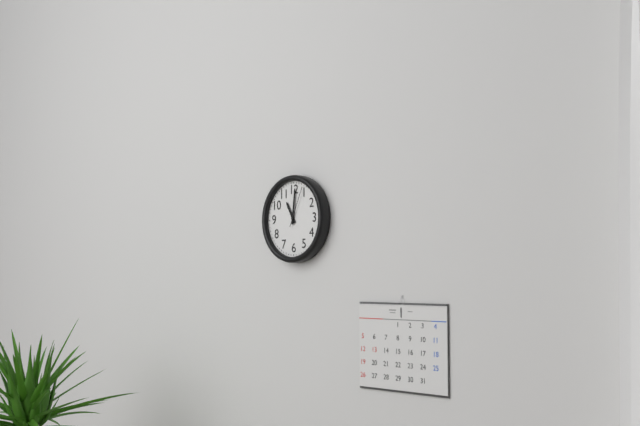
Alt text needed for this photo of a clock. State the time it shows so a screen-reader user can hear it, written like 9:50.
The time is 11:01
